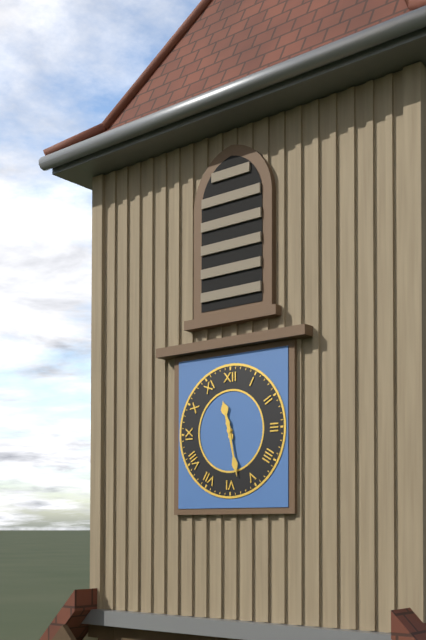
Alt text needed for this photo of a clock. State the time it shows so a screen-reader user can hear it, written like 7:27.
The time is 11:28
